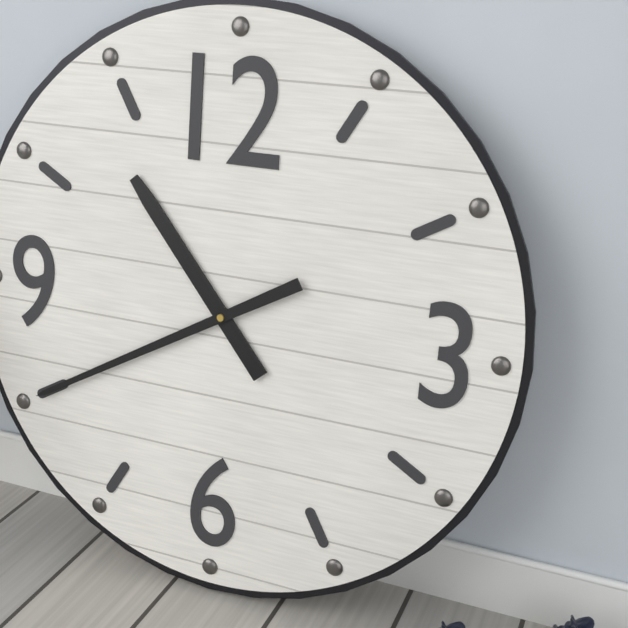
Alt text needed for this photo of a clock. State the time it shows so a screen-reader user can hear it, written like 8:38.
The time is 10:40
